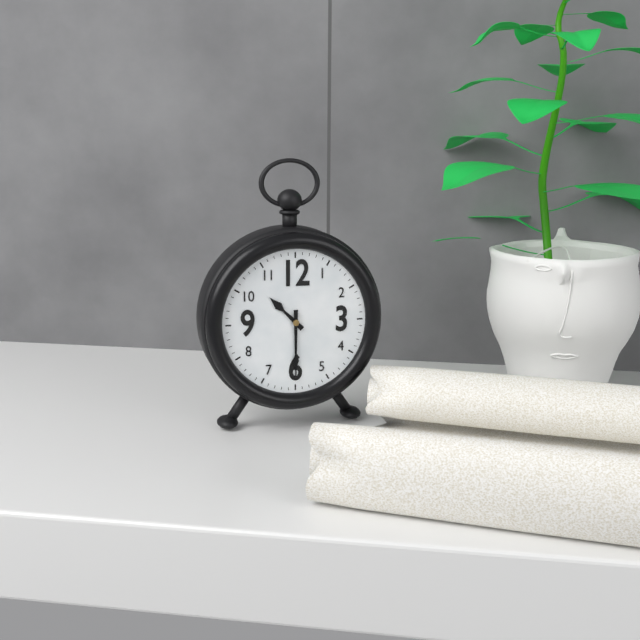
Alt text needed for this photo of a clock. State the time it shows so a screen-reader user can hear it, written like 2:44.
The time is 10:30
